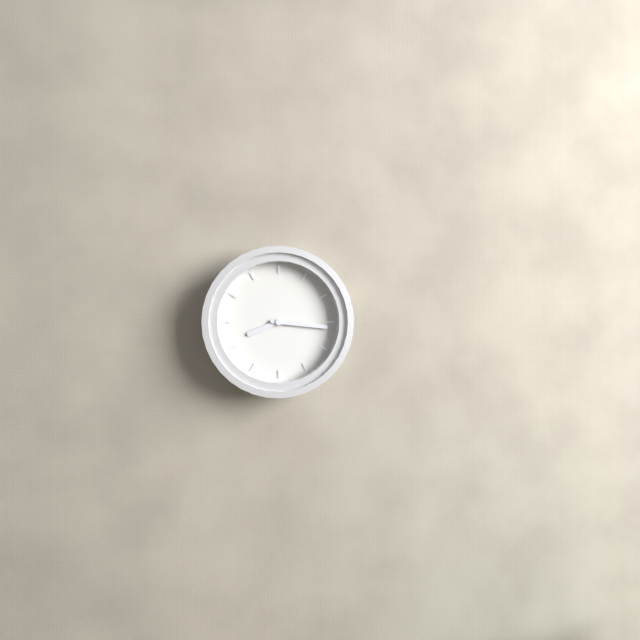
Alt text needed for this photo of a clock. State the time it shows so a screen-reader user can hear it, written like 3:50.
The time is 8:16
